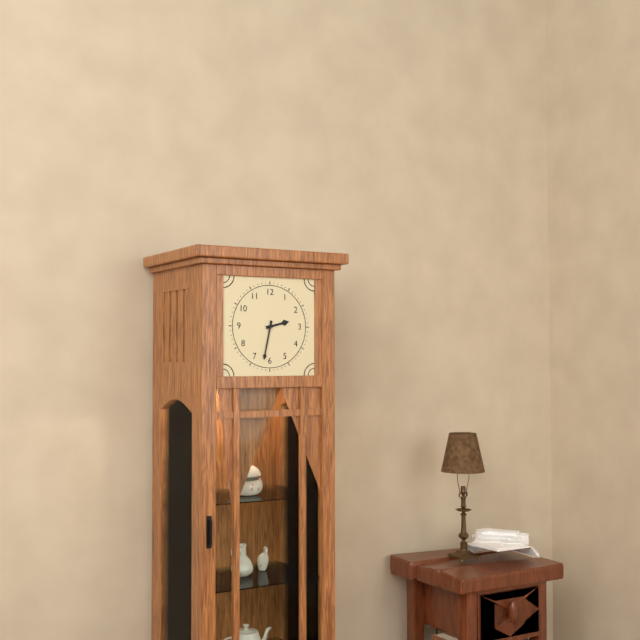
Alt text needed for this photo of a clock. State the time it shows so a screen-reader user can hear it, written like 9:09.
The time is 2:32
